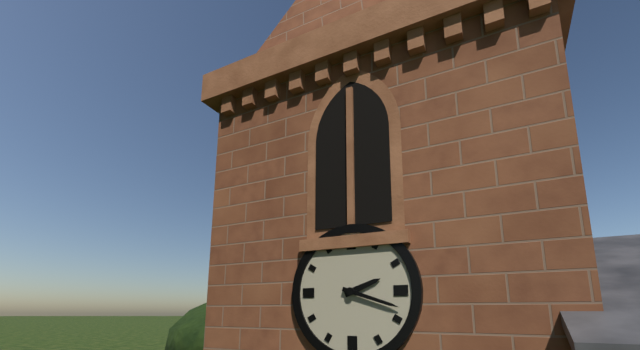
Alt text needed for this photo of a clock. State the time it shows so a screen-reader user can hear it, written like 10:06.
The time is 2:18
